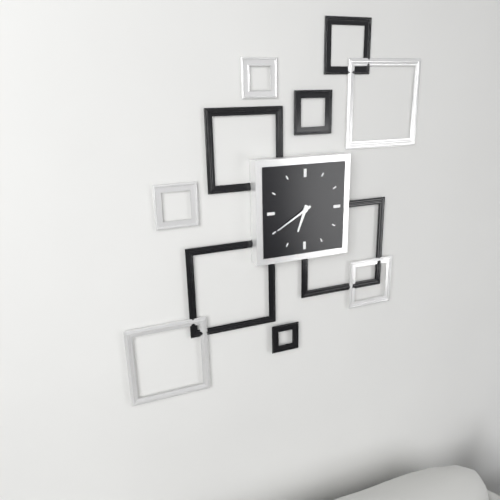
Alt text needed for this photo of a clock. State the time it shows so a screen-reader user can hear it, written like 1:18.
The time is 6:40
